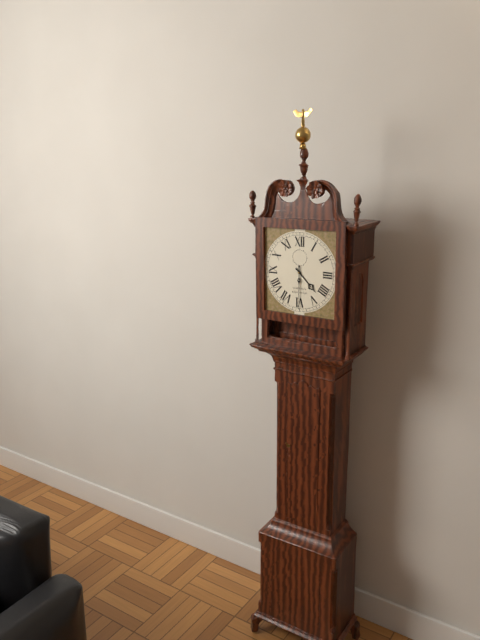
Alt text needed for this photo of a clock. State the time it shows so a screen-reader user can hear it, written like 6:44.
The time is 4:30
